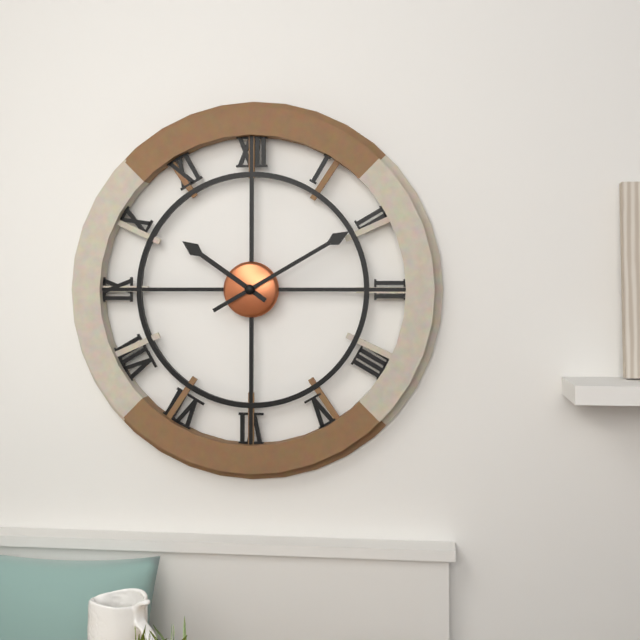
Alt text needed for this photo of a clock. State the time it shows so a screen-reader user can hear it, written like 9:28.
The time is 10:10
